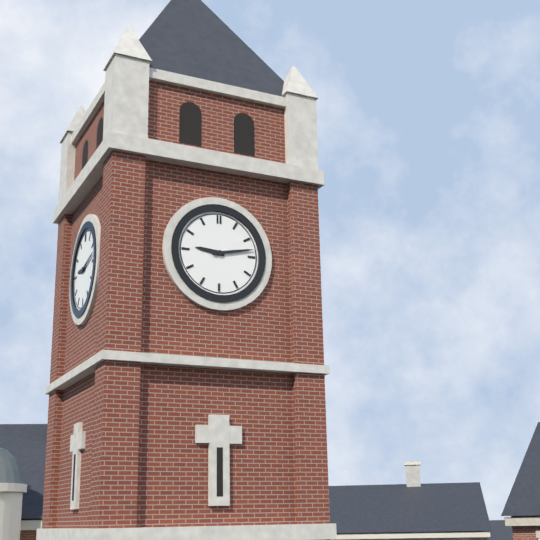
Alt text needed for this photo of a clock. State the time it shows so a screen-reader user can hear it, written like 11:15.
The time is 9:13
